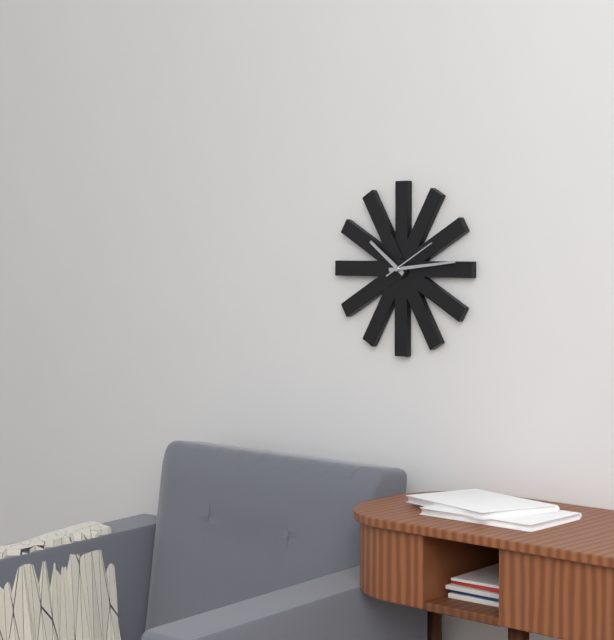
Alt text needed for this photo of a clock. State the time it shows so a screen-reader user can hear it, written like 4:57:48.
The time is 10:14:10
